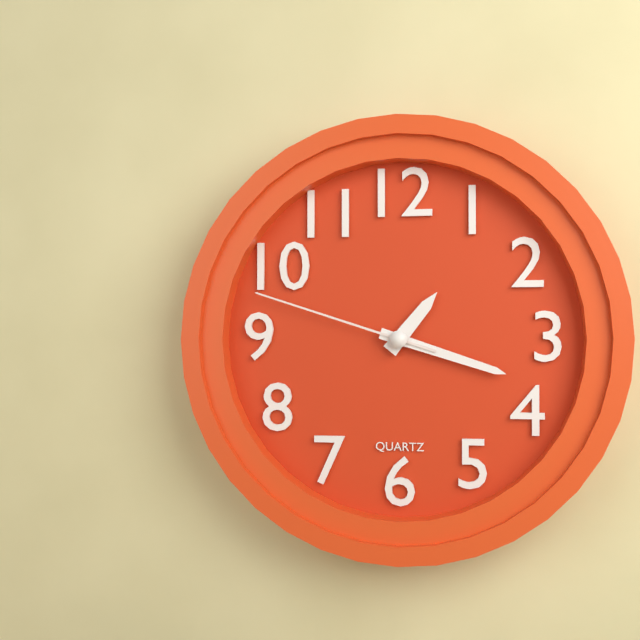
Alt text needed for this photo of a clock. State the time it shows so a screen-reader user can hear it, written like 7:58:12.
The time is 1:18:48
